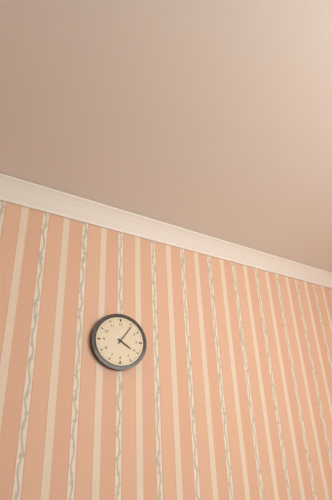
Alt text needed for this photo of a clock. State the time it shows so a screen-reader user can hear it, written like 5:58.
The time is 4:06
